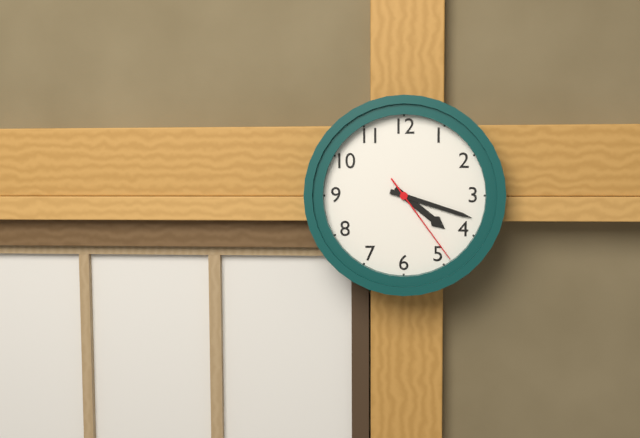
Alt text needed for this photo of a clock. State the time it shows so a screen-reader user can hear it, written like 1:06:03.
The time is 4:18:24
